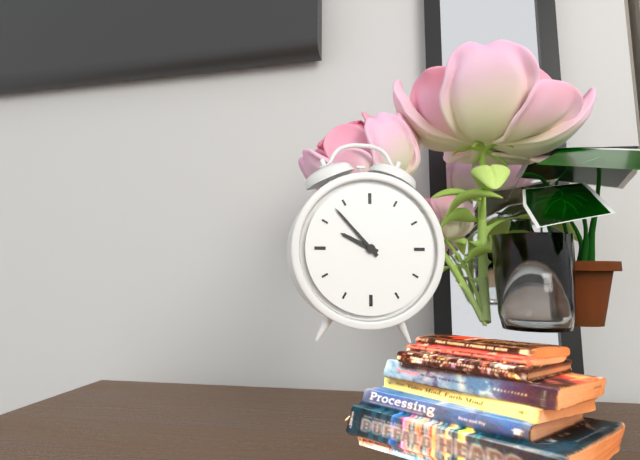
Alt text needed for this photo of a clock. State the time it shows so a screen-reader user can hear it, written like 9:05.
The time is 9:53
